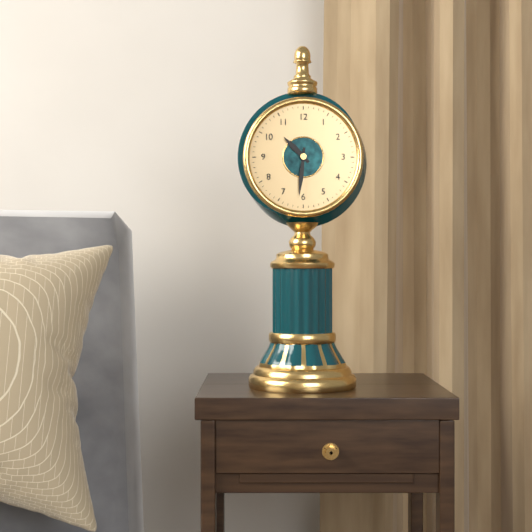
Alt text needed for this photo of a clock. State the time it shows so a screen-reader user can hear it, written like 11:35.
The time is 10:31
